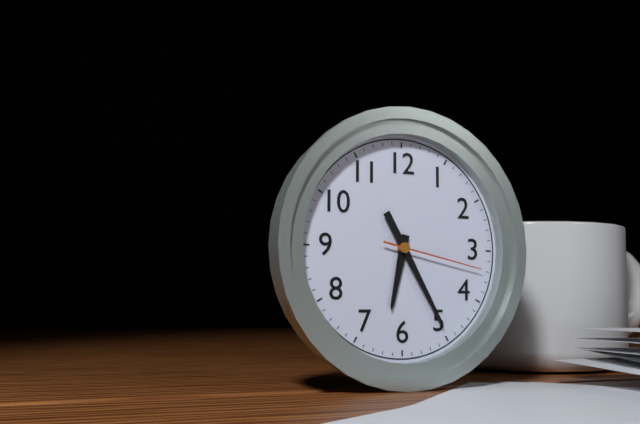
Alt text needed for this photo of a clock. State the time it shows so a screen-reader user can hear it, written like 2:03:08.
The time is 6:25:17
